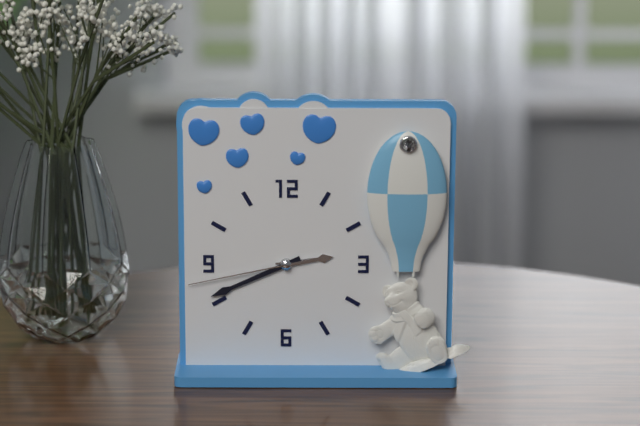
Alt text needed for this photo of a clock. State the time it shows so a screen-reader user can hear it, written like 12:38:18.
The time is 2:41:43
